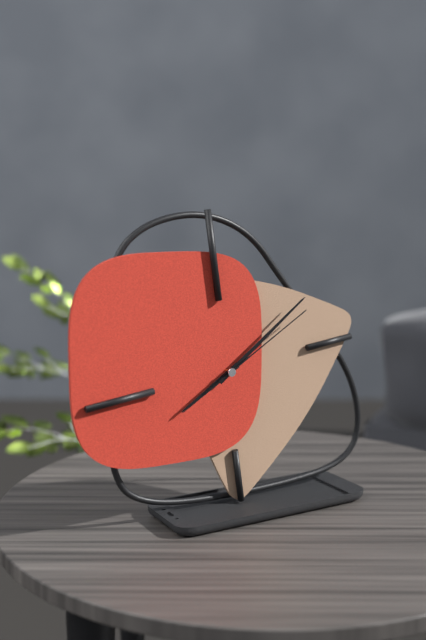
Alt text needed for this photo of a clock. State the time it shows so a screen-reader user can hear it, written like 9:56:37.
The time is 8:10:11
